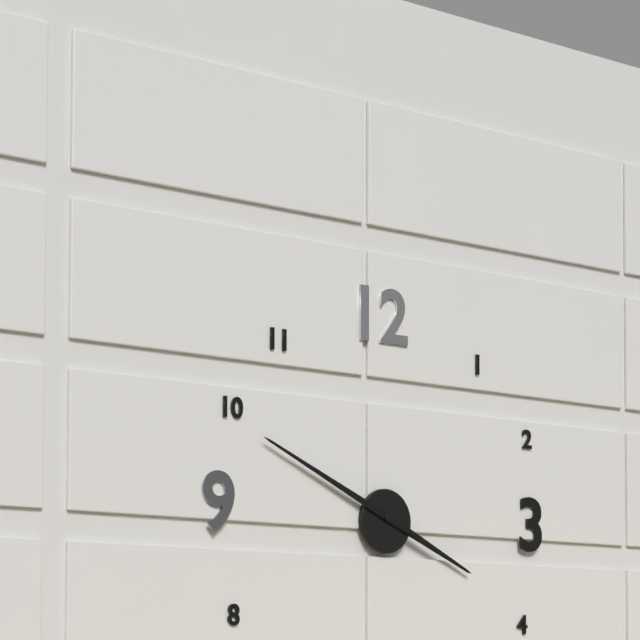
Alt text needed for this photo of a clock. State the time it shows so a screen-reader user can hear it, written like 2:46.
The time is 3:49
